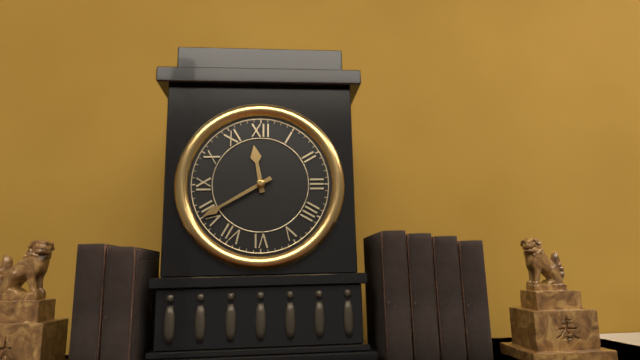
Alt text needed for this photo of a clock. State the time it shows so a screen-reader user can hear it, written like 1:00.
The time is 11:40
